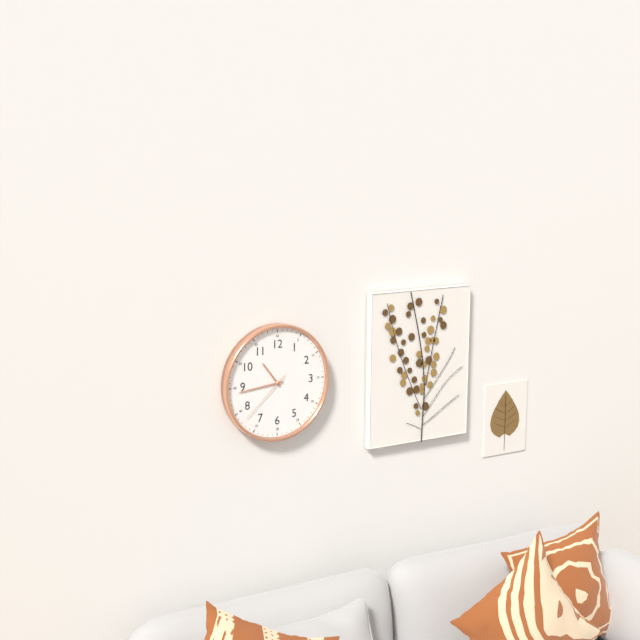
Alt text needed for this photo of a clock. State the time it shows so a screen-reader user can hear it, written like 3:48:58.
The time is 10:44:38
